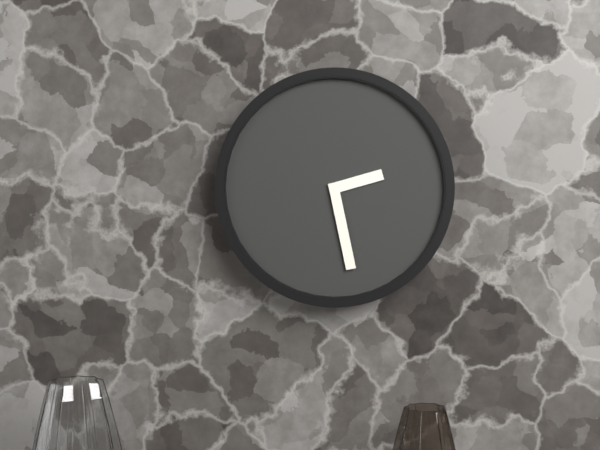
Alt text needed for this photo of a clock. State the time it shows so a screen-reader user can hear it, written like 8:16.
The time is 2:28
